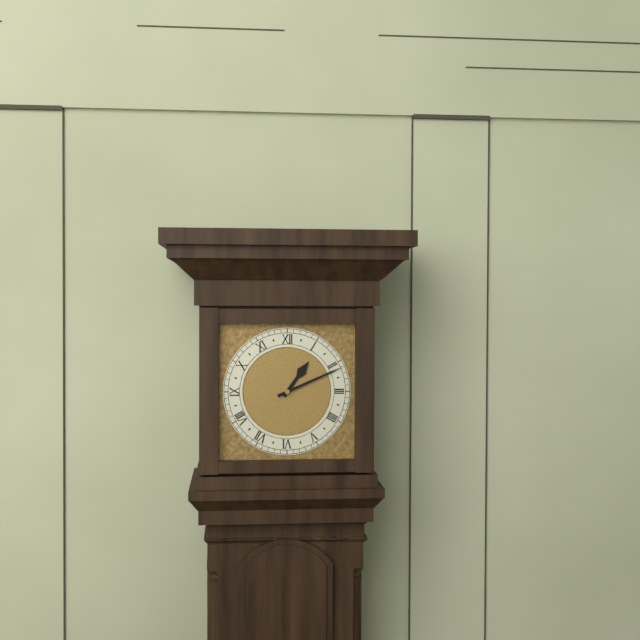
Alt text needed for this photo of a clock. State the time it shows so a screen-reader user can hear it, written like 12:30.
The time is 1:11
